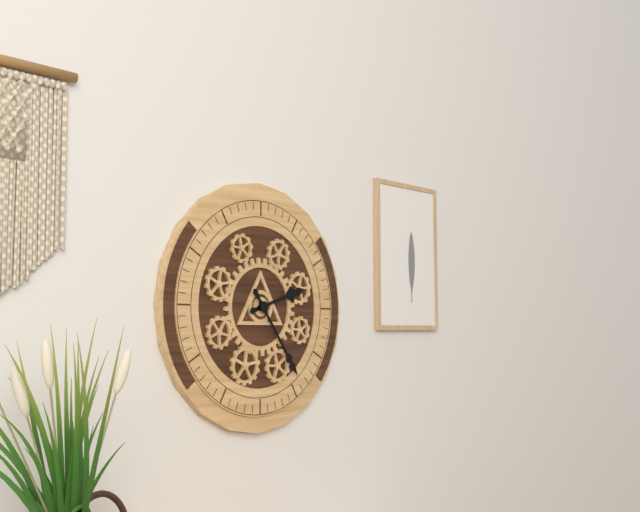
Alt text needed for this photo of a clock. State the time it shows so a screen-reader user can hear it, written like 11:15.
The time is 2:24
